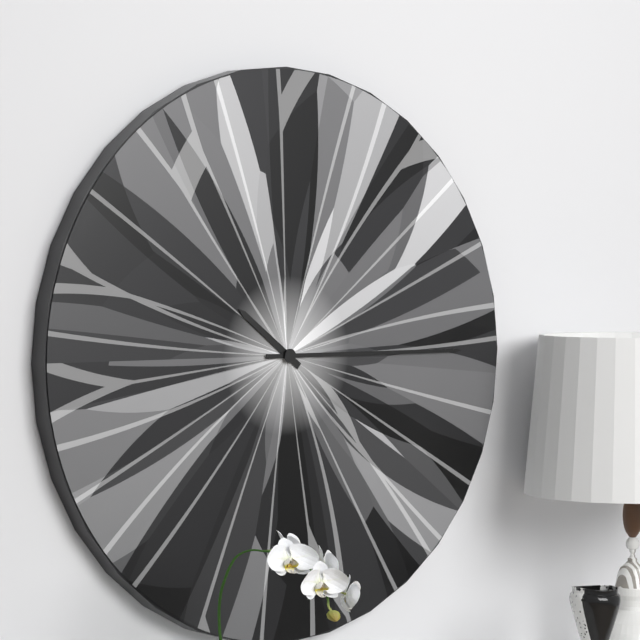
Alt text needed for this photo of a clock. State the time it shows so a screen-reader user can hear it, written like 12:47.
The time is 10:15
